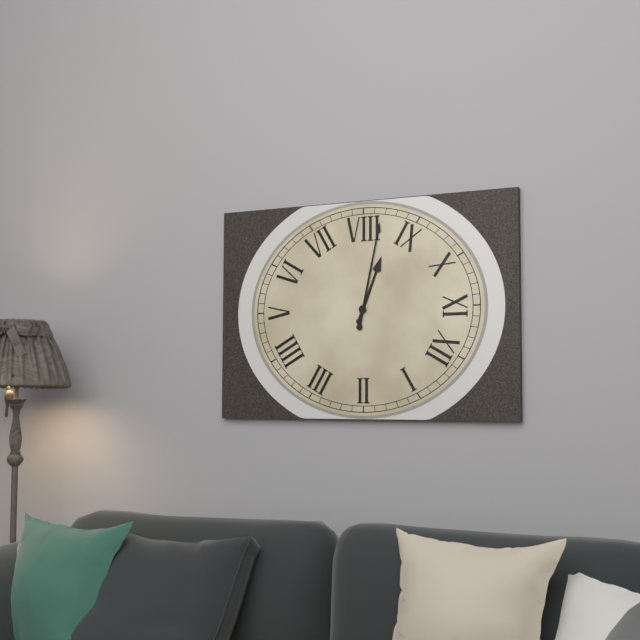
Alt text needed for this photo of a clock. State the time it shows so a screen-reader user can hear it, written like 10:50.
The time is 8:42
